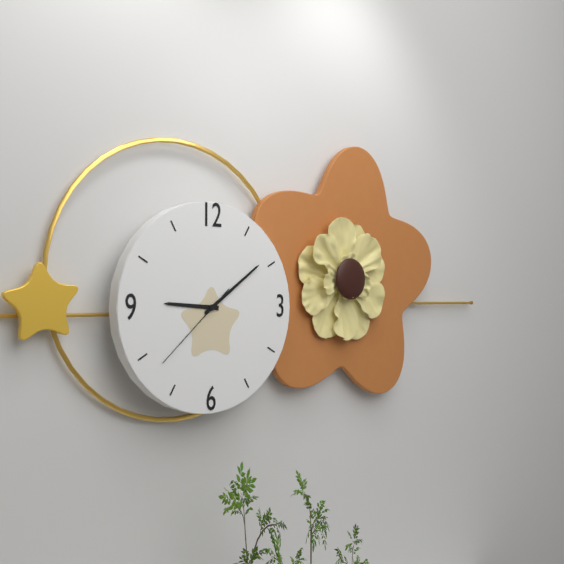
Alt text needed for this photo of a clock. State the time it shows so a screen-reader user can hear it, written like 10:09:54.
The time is 9:09:38
